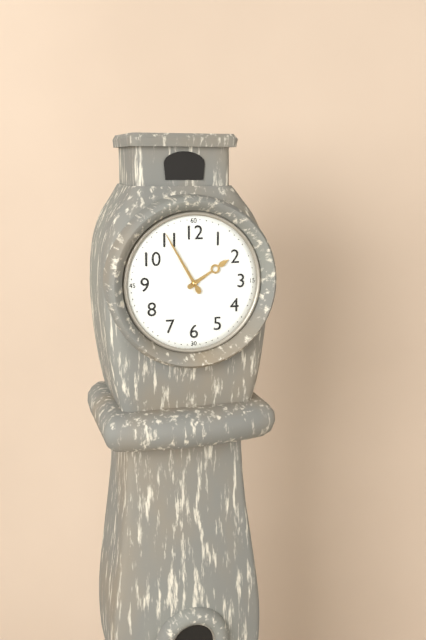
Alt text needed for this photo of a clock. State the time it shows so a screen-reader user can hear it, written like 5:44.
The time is 1:55
